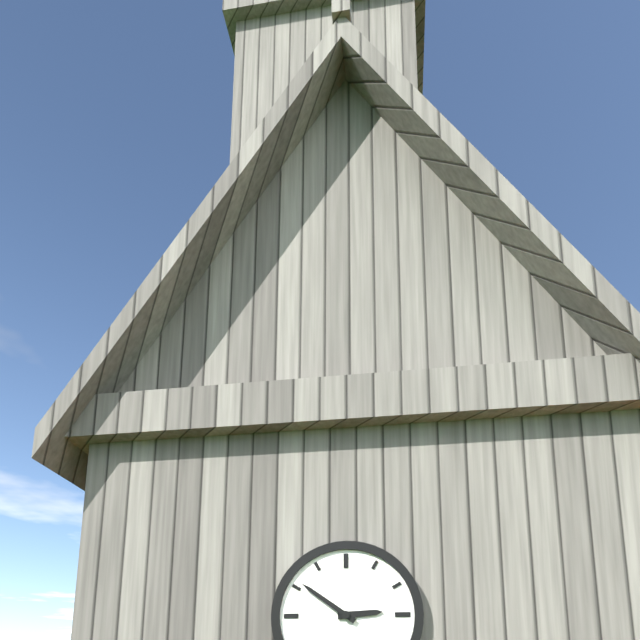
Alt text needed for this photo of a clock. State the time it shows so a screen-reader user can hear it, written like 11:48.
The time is 2:51
